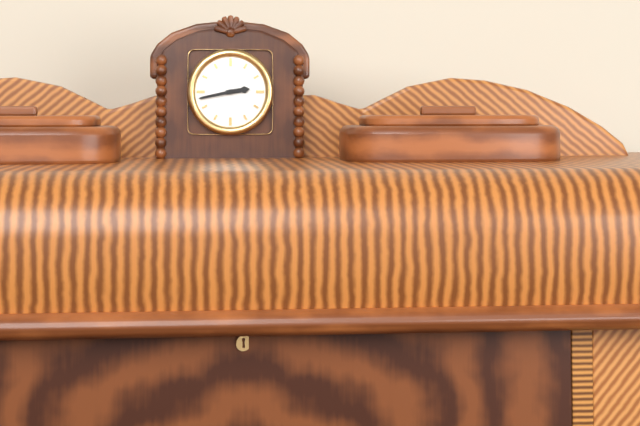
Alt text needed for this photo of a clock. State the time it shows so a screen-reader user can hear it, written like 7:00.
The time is 2:43
